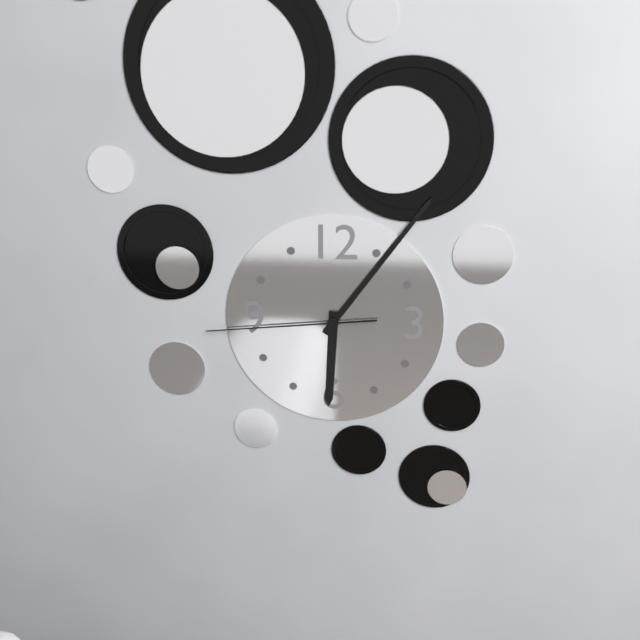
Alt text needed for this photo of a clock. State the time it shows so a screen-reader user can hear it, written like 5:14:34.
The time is 6:06:44
